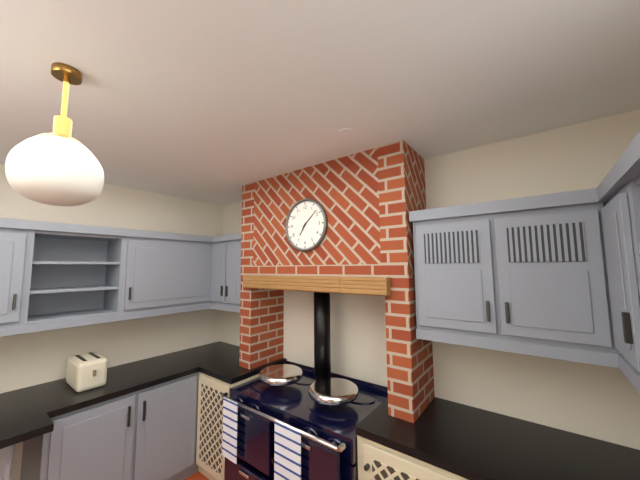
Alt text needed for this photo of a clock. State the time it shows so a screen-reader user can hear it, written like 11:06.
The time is 7:08
